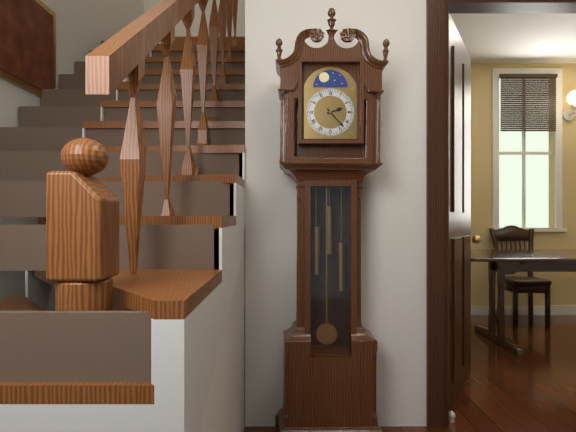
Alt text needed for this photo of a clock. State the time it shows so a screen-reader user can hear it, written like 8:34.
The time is 2:23
